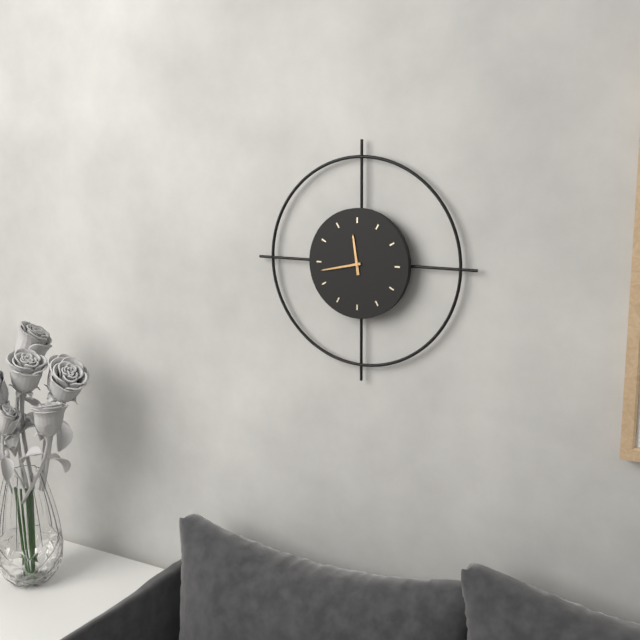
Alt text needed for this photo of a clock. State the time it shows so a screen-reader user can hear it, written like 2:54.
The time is 11:43
